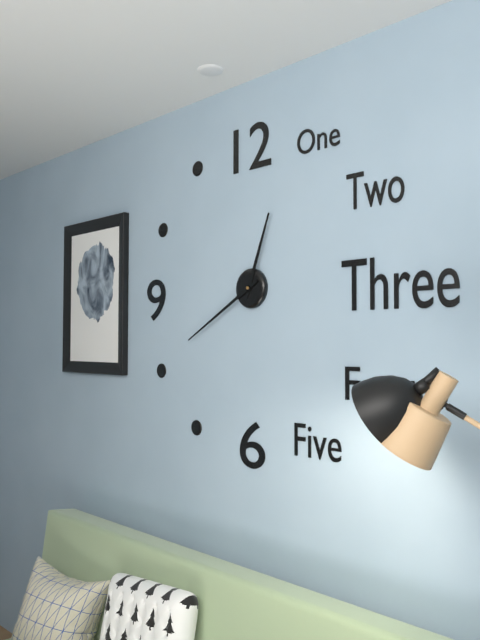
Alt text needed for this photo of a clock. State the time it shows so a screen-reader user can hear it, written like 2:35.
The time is 12:40
